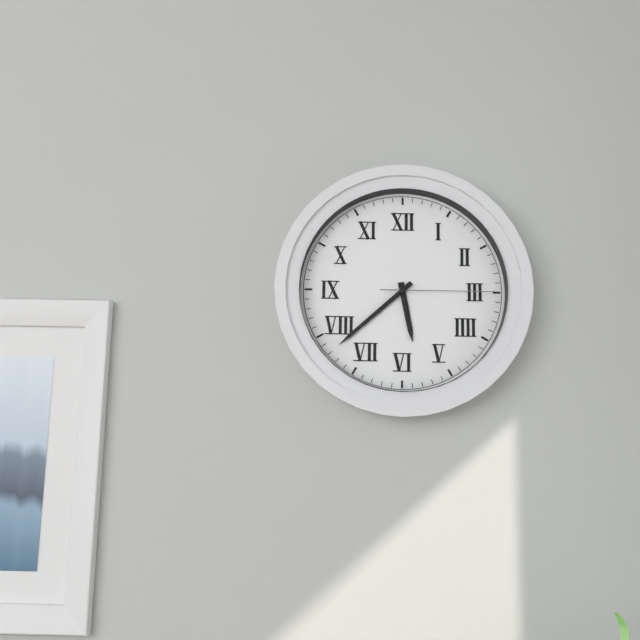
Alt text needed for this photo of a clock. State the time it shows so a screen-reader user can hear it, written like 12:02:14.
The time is 5:38:15
